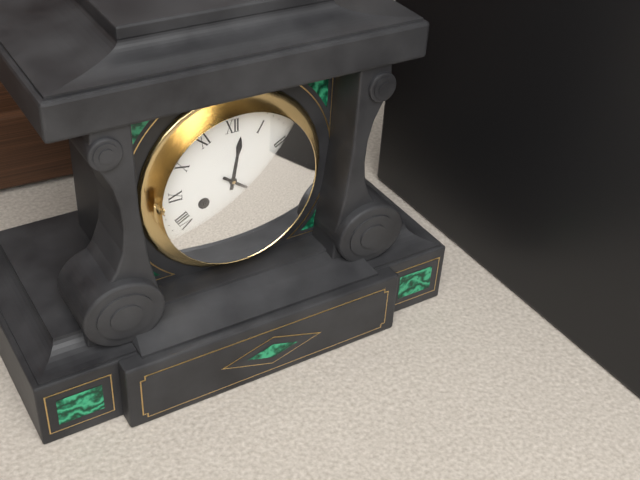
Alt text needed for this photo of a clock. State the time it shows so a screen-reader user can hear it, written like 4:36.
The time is 12:21
